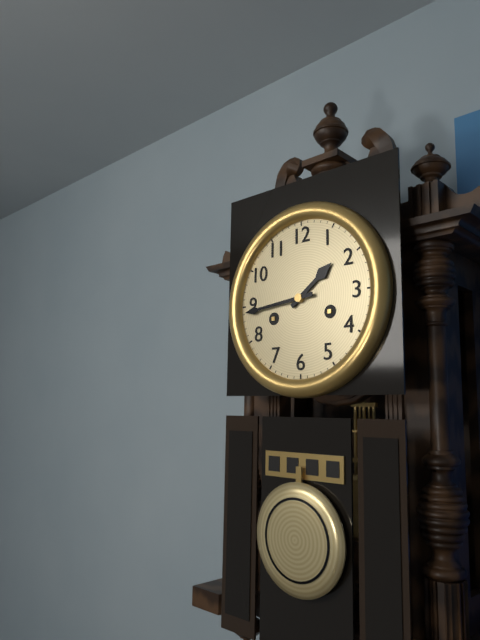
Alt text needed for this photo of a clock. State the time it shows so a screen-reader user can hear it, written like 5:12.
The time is 1:44
